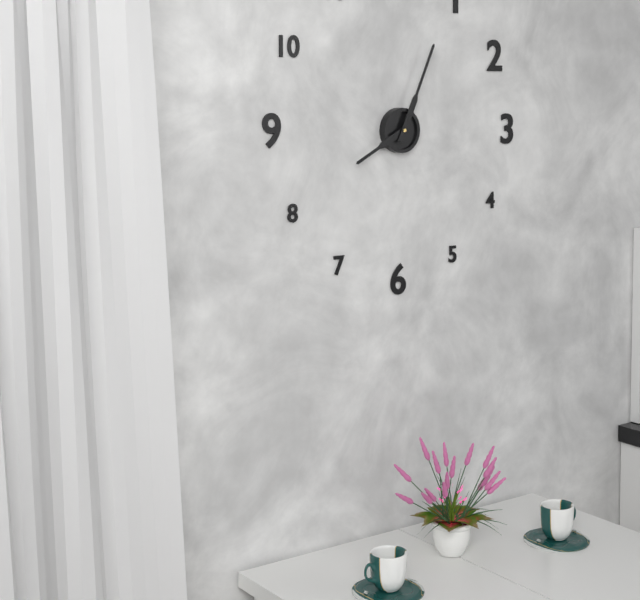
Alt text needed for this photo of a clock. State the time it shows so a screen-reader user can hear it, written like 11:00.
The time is 8:04
